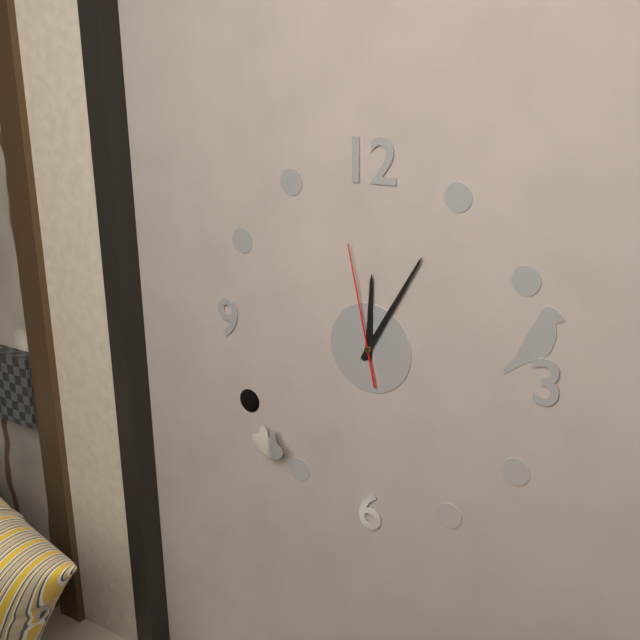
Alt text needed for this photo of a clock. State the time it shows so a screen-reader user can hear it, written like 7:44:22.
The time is 12:05:58
